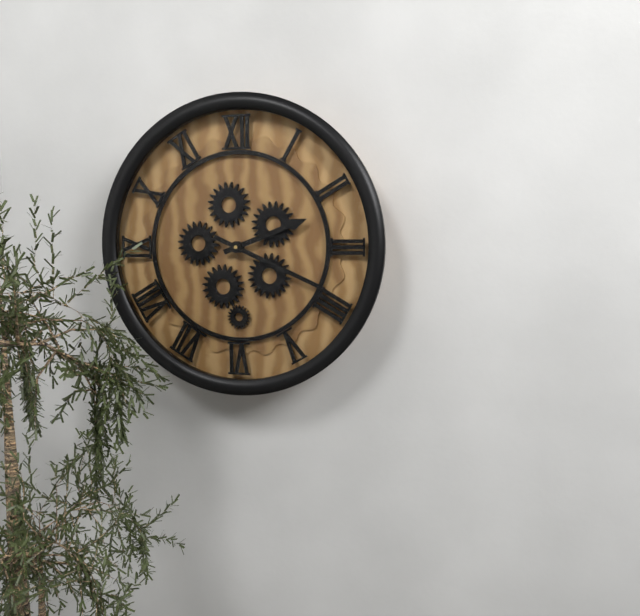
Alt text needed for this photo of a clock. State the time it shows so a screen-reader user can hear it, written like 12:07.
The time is 2:19
